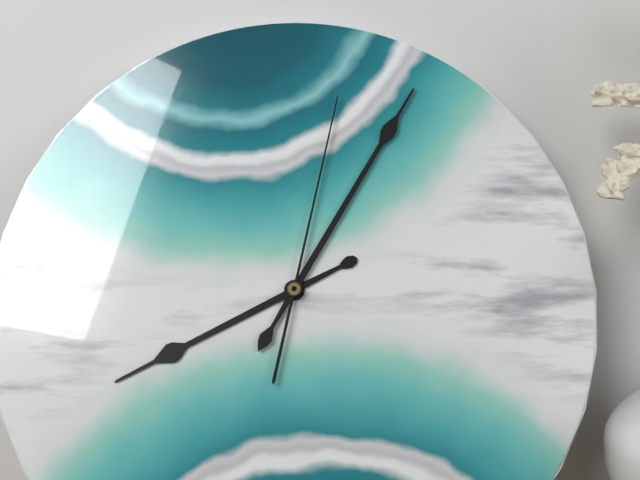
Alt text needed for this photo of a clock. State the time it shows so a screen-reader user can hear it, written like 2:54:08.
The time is 8:05:02
